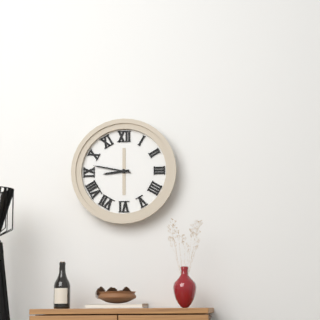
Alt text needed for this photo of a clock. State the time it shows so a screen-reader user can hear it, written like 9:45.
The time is 8:47
